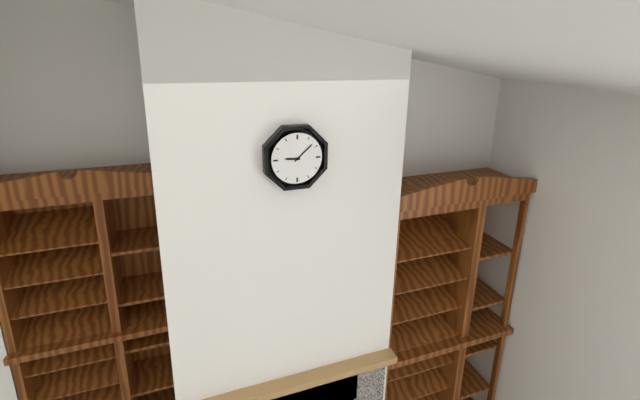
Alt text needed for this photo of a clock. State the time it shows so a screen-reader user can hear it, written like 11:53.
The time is 9:08
